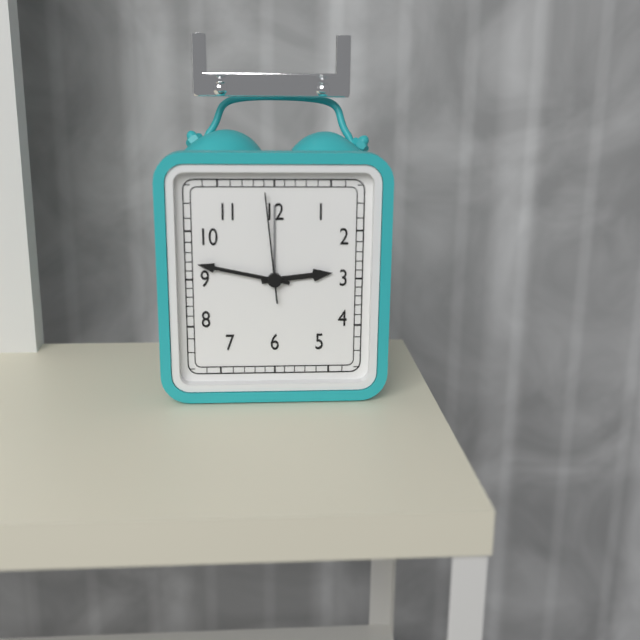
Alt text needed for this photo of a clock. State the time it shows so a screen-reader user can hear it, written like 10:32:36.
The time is 2:47:59
